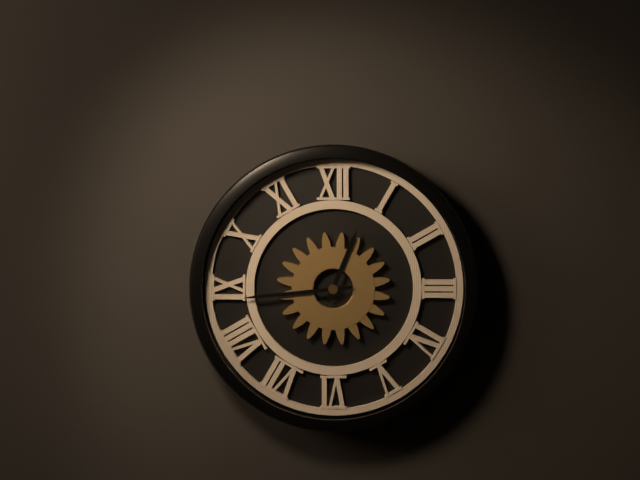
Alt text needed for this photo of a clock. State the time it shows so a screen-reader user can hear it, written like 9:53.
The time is 12:44
